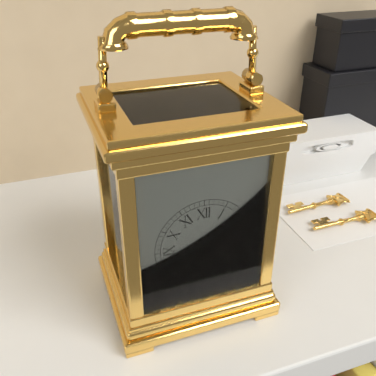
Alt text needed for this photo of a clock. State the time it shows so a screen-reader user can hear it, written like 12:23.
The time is 2:31
